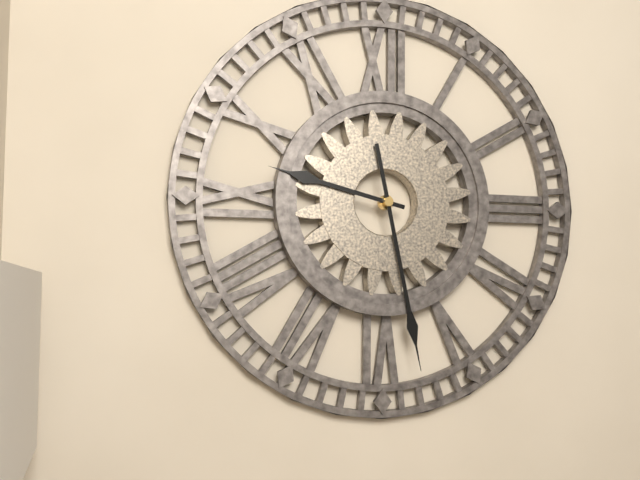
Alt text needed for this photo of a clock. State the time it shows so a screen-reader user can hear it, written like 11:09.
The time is 9:28
